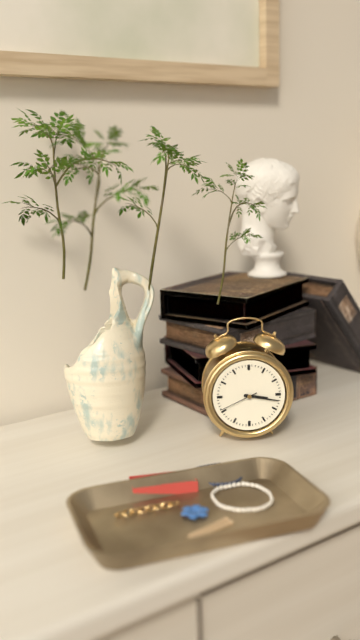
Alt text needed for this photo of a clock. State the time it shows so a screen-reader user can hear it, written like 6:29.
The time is 3:17
